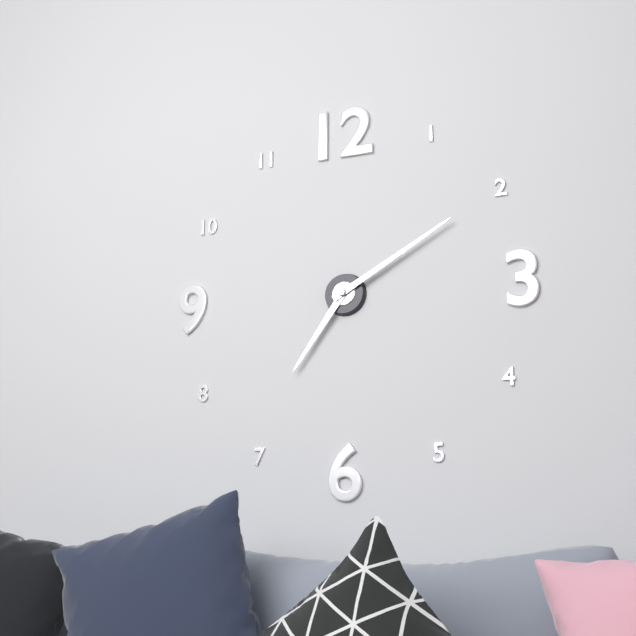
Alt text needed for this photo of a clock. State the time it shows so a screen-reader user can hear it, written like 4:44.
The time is 7:10
